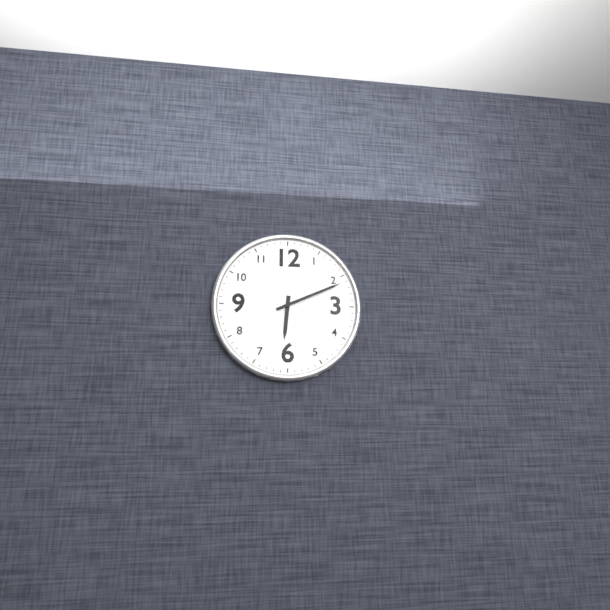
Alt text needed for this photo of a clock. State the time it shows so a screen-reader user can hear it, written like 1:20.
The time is 6:11
